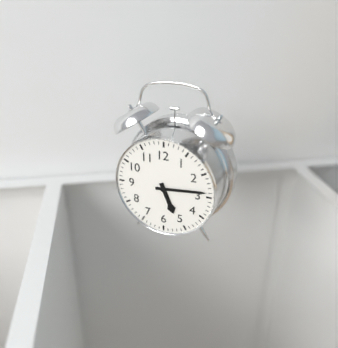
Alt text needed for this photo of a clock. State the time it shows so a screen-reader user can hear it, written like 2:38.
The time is 5:14
